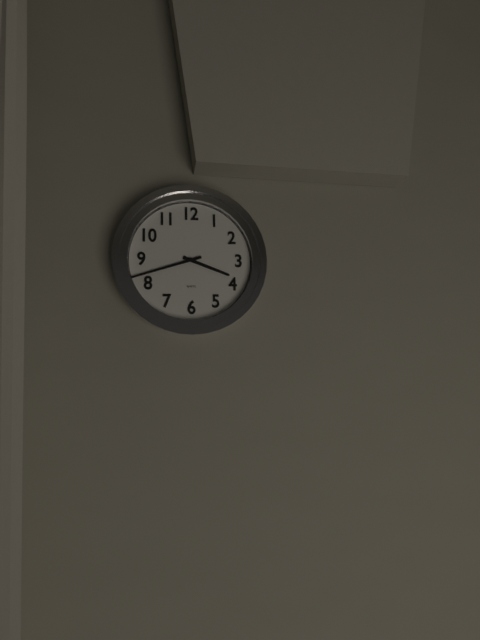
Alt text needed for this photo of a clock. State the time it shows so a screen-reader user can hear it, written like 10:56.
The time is 3:42
